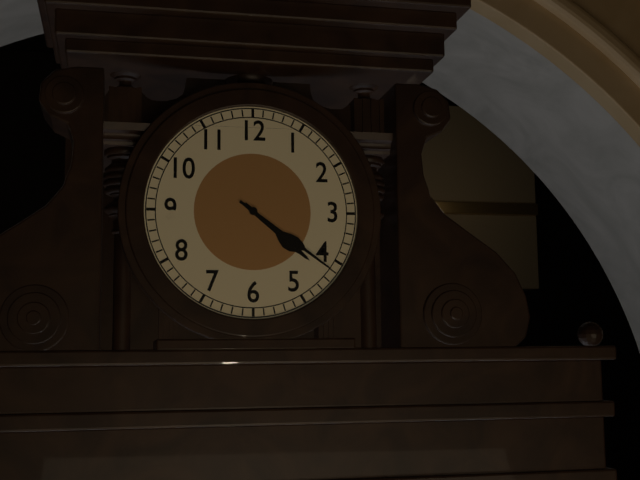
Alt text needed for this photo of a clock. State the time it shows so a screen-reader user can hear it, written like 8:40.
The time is 4:21
